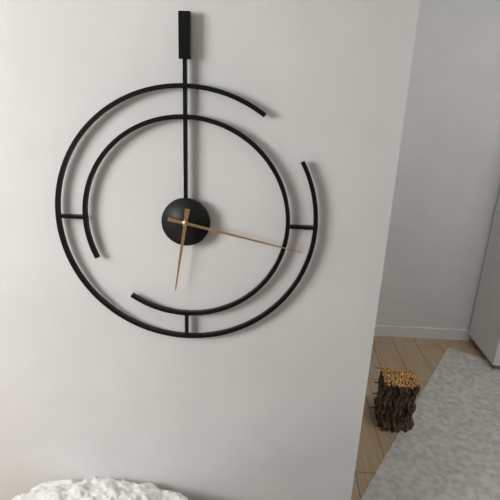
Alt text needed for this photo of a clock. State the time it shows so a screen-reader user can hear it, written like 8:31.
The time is 6:17
